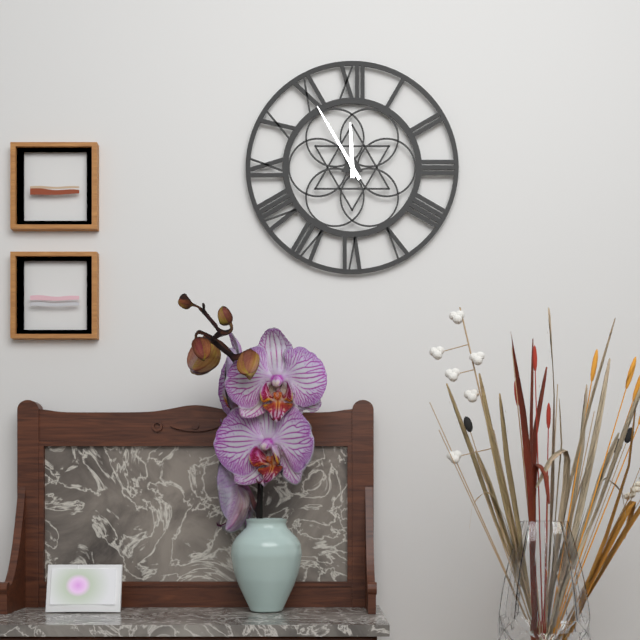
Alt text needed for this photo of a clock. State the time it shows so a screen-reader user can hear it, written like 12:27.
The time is 11:55
